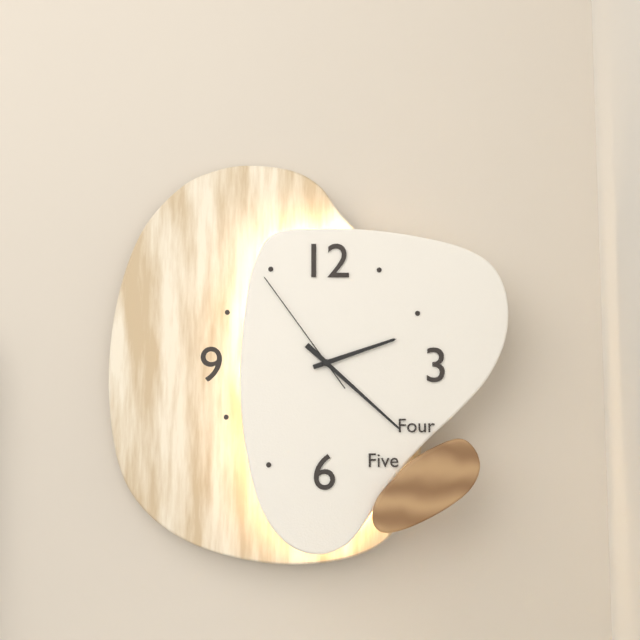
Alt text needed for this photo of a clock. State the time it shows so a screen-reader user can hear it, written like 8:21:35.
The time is 2:22:54
